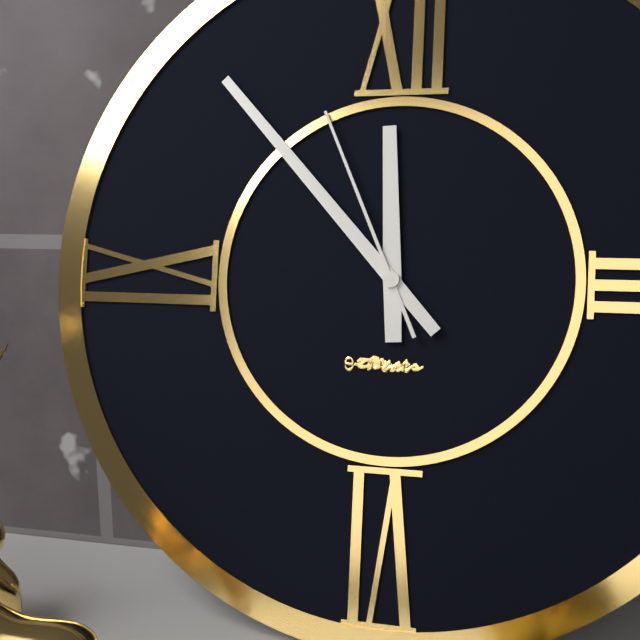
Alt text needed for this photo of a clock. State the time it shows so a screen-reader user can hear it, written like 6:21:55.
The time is 11:53:56
